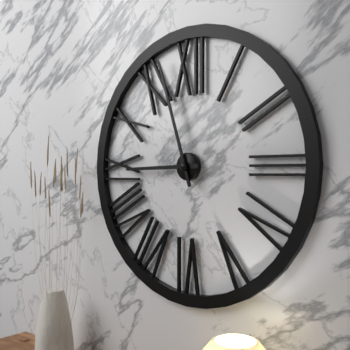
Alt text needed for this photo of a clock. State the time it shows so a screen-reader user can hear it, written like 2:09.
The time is 8:57
